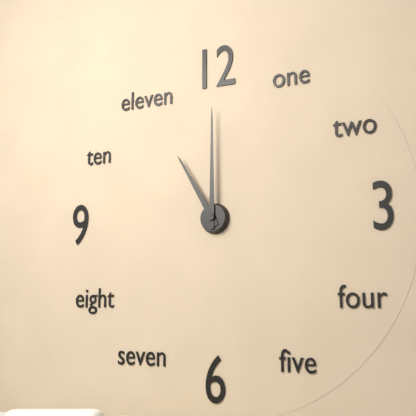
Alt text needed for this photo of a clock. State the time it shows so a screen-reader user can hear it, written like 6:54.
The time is 11:00
